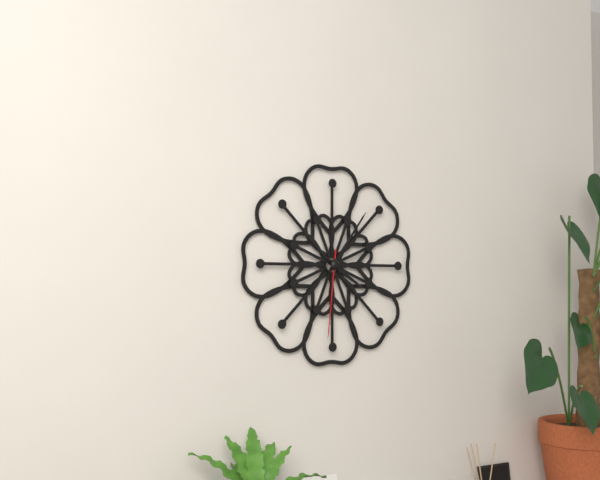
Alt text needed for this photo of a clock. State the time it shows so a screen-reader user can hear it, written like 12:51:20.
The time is 4:06:31
